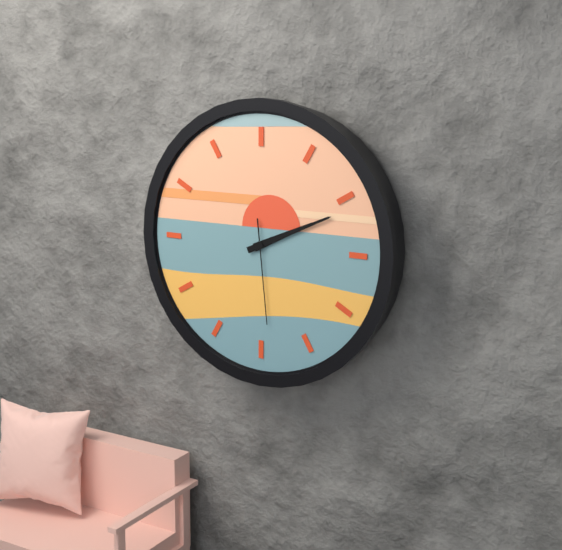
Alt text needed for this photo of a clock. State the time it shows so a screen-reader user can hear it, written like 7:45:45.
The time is 2:11:29
